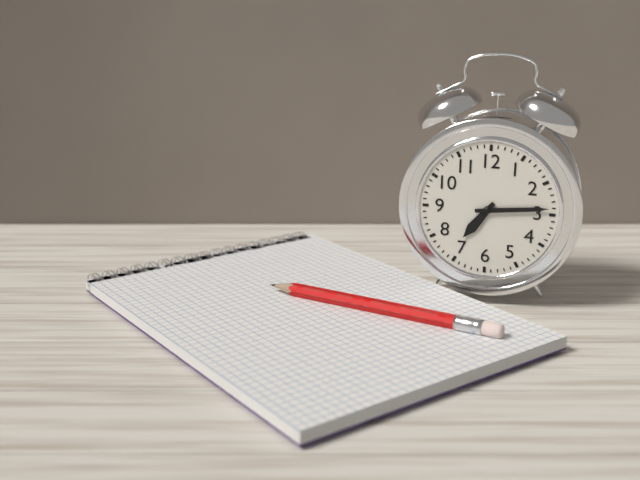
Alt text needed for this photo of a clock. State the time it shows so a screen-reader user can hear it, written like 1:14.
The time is 7:14
